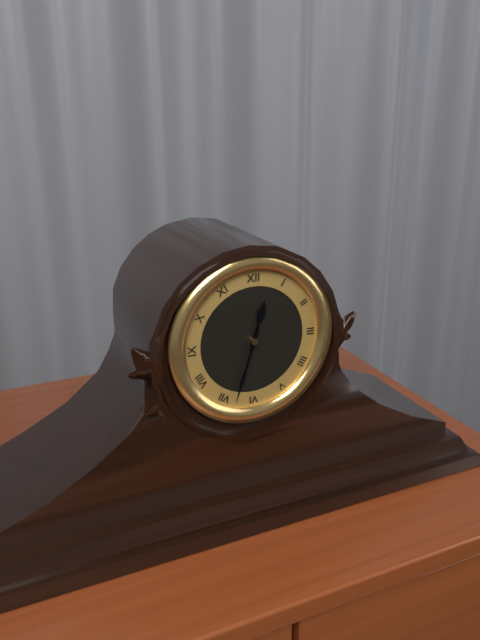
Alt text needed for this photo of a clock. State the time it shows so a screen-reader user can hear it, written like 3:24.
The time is 12:33
